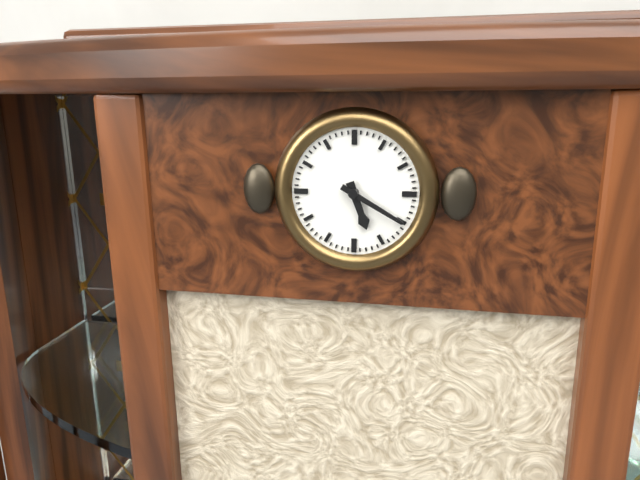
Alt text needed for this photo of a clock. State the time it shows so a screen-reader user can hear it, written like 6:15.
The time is 5:20
